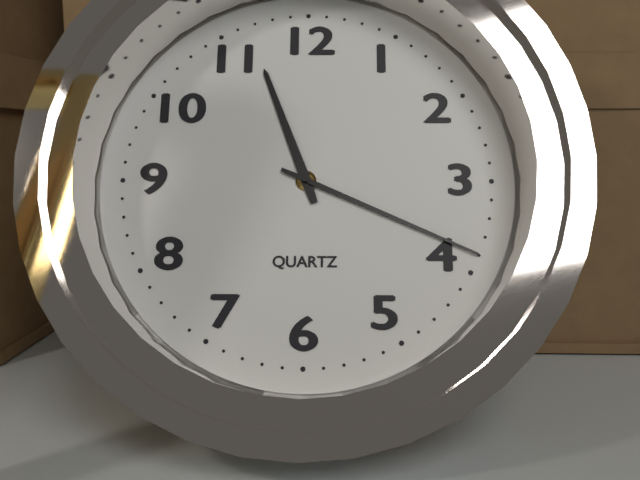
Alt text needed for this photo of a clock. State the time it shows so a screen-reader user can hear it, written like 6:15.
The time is 11:19
